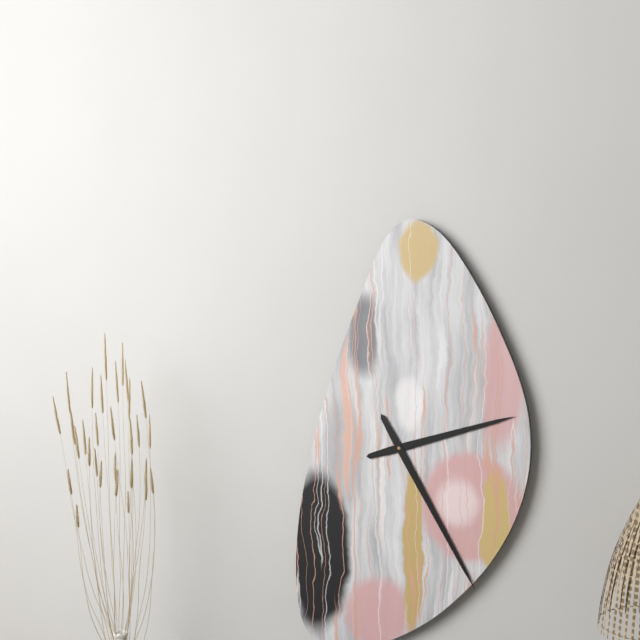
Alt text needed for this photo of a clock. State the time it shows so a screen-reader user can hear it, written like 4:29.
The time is 2:25
